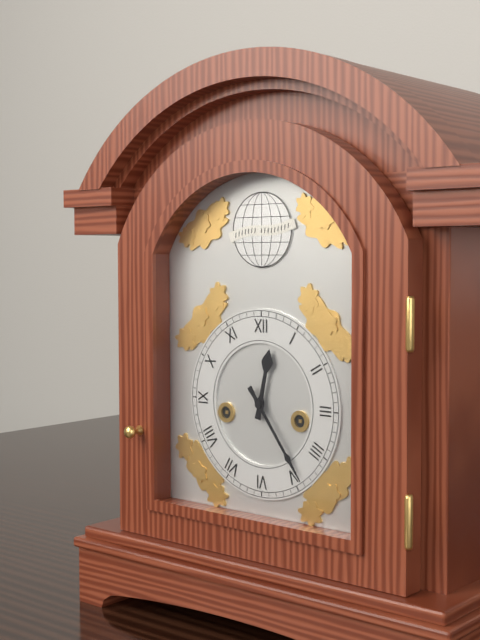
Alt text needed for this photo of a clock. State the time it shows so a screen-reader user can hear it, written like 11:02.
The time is 12:24
